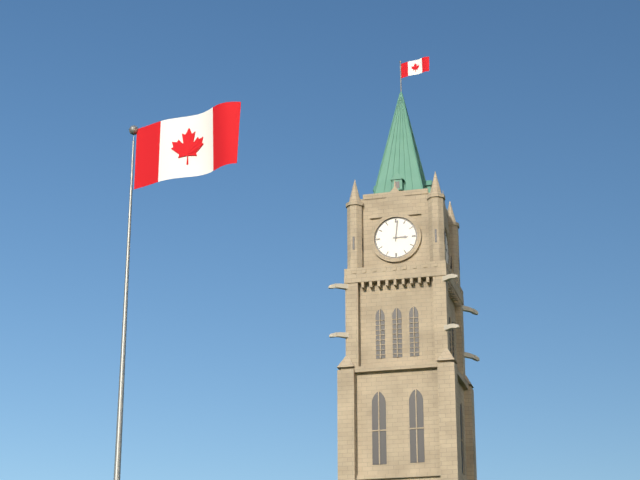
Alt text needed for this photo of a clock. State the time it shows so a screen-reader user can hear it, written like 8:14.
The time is 3:01
